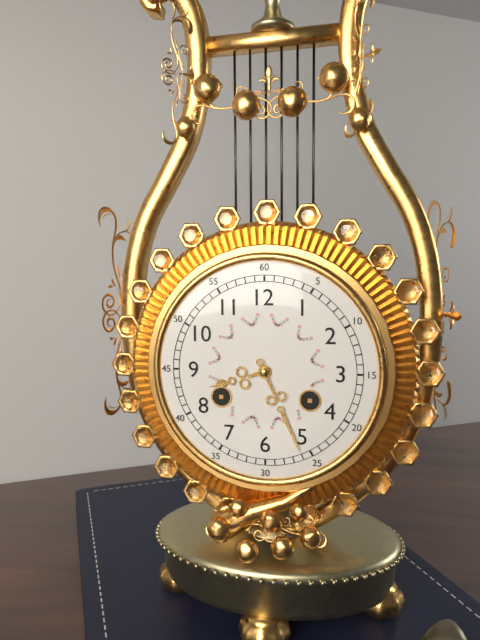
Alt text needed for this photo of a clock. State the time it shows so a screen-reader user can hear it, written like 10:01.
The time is 8:26
